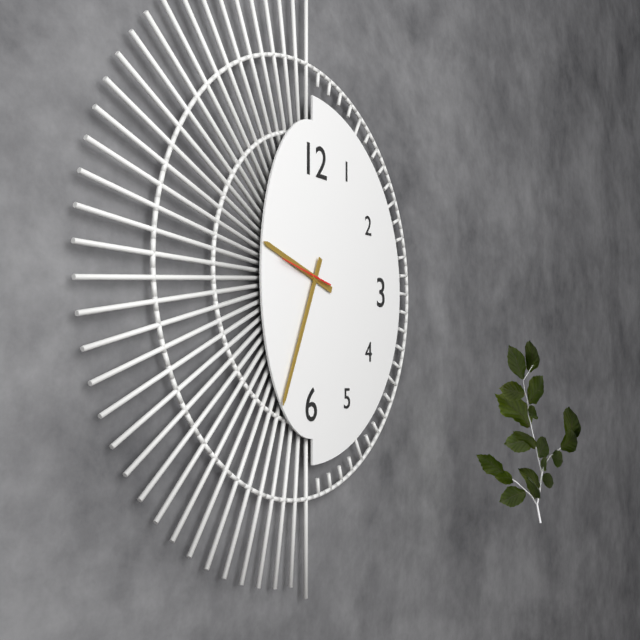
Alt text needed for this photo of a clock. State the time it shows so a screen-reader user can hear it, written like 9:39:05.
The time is 9:34:47
